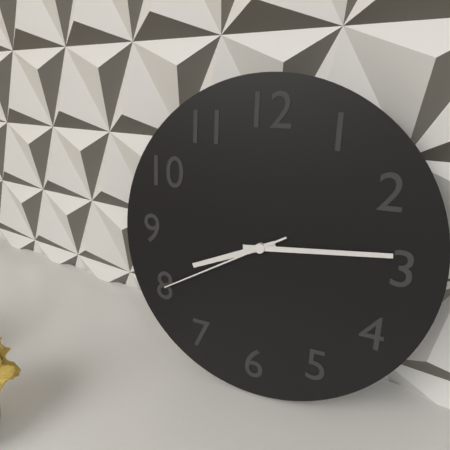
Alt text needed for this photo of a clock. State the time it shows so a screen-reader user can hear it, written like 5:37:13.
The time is 8:14:40
